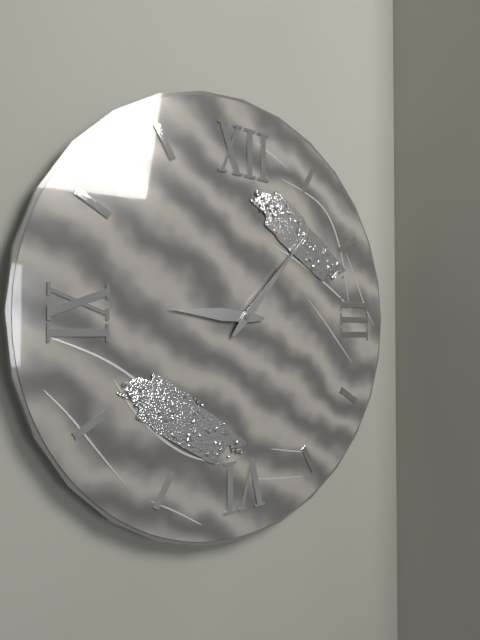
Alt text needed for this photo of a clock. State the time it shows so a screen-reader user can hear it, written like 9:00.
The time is 9:07
